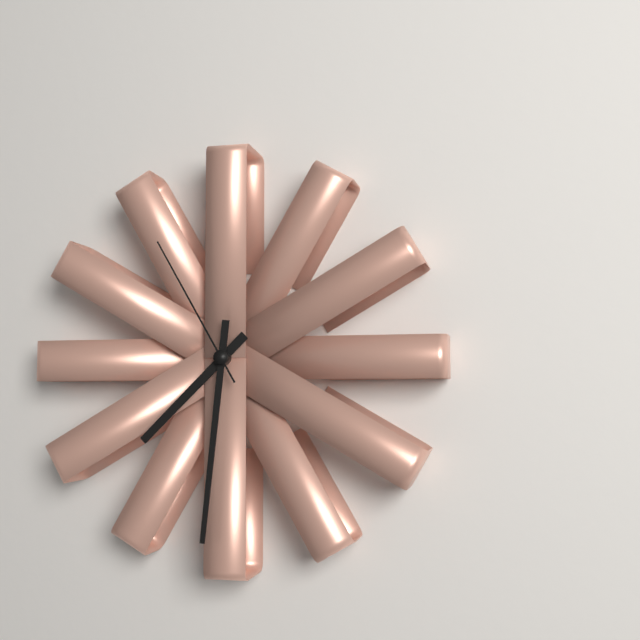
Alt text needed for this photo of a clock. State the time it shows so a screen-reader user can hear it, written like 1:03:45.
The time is 7:31:55
